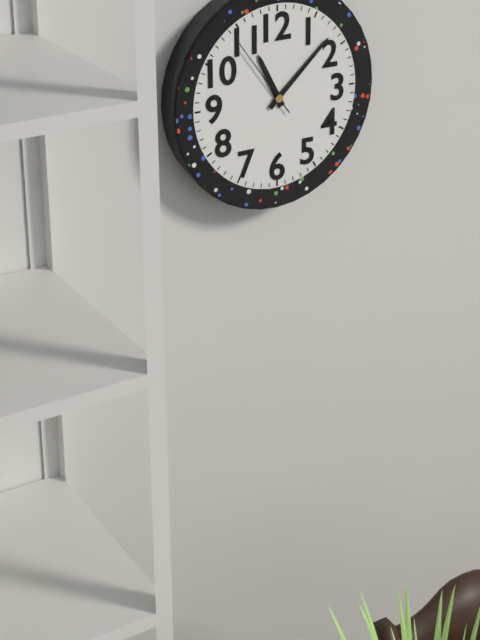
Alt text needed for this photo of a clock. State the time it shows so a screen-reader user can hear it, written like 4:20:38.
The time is 11:08:54
